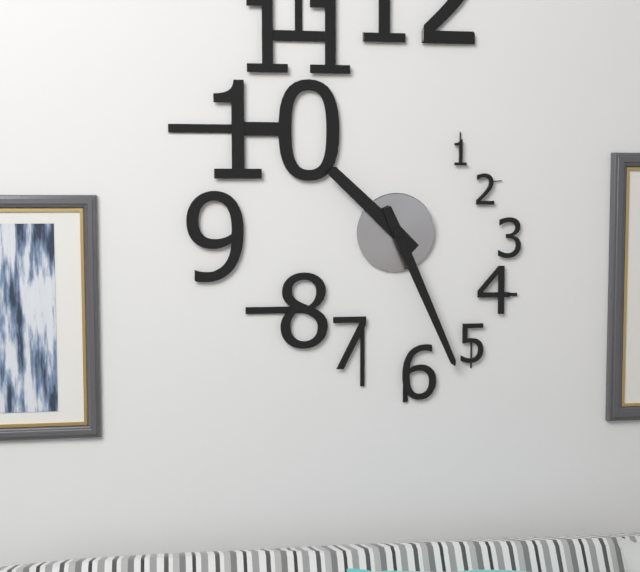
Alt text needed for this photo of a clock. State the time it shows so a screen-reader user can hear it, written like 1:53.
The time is 10:26
